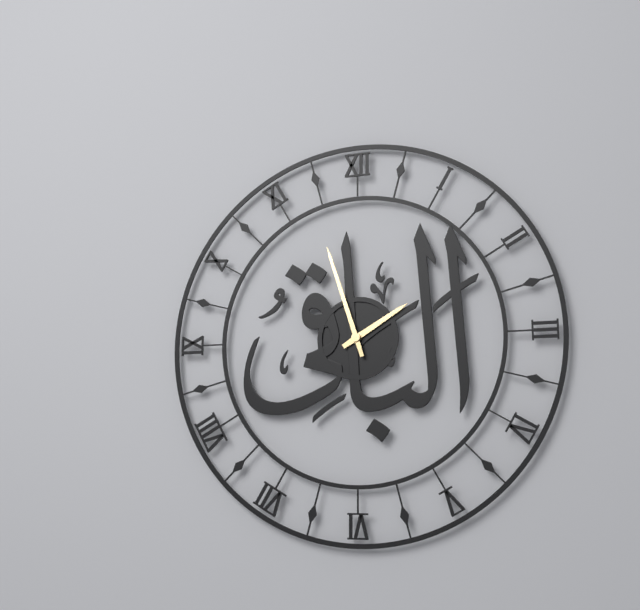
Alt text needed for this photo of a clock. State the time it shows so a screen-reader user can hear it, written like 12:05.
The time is 1:57
